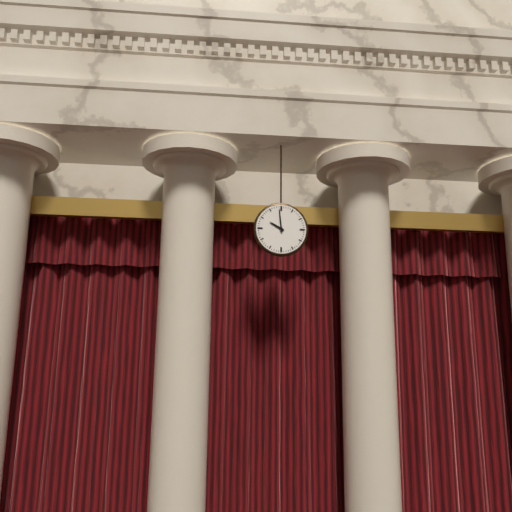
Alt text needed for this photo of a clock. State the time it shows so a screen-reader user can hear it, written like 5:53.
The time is 9:59
